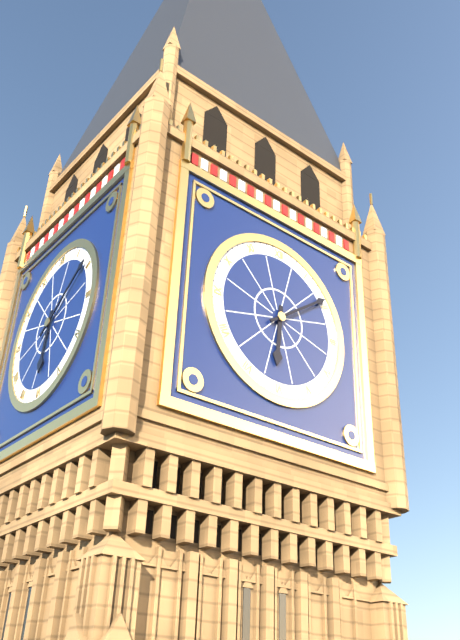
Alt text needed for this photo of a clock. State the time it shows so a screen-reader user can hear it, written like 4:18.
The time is 6:09
